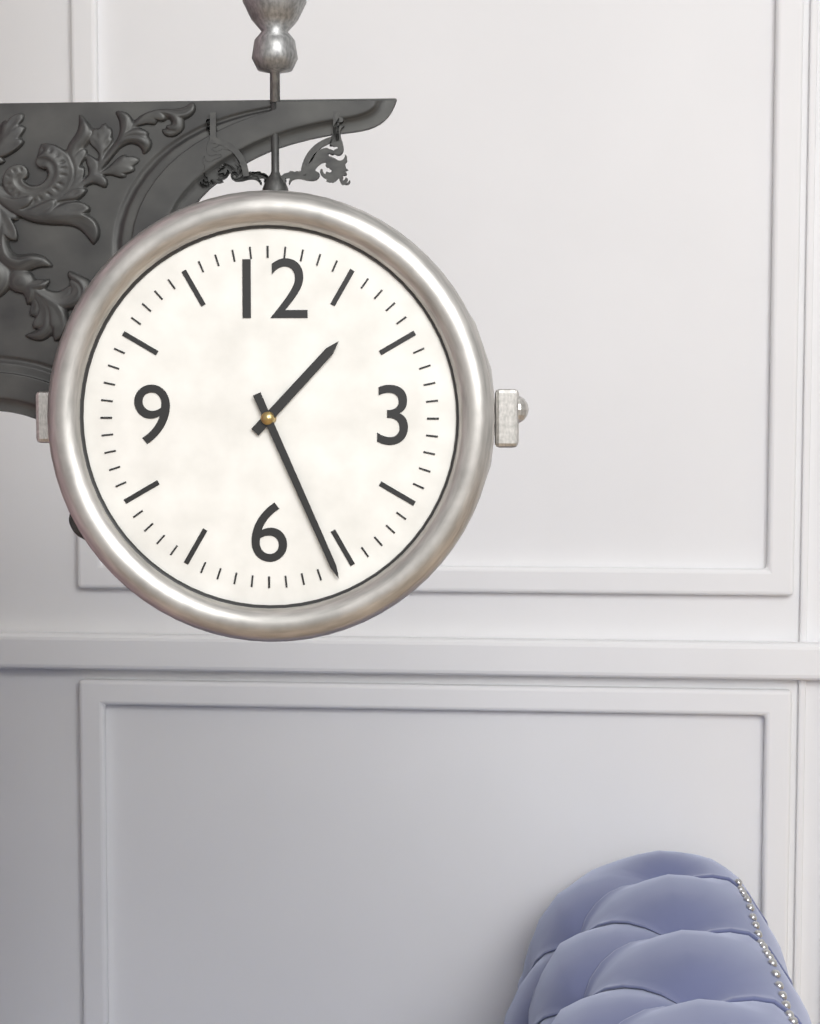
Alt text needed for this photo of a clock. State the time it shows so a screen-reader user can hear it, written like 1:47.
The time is 1:26
